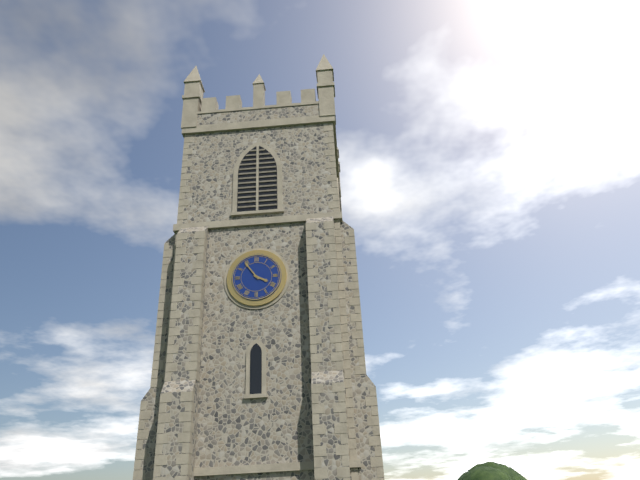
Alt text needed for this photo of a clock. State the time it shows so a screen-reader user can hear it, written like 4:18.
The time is 3:54
